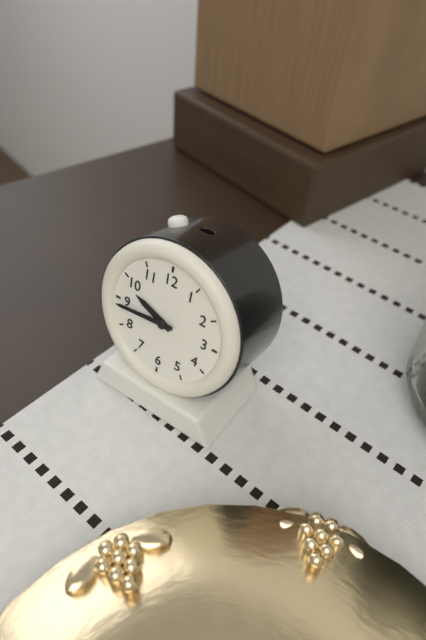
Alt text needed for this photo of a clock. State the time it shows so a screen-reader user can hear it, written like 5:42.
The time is 9:44
